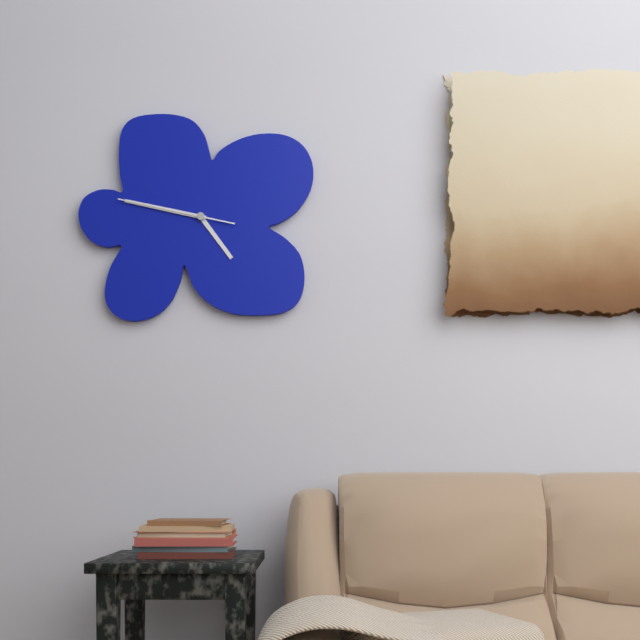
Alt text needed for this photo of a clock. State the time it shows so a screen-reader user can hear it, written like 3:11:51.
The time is 4:47:47
